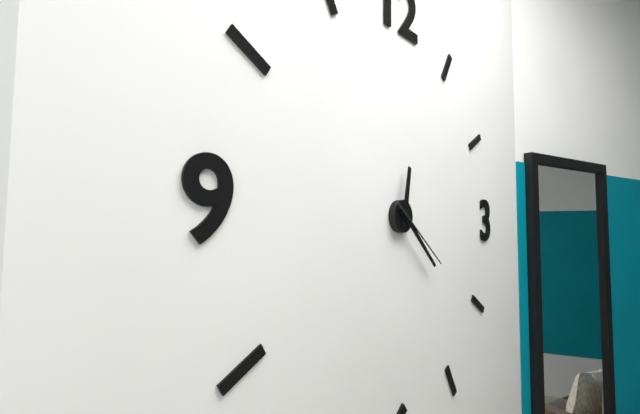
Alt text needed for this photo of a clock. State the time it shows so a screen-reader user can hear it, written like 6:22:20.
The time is 12:22:21
